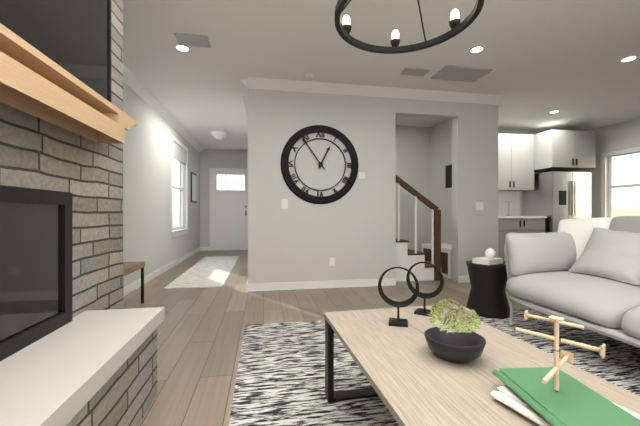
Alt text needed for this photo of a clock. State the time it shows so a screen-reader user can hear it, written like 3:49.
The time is 12:54
